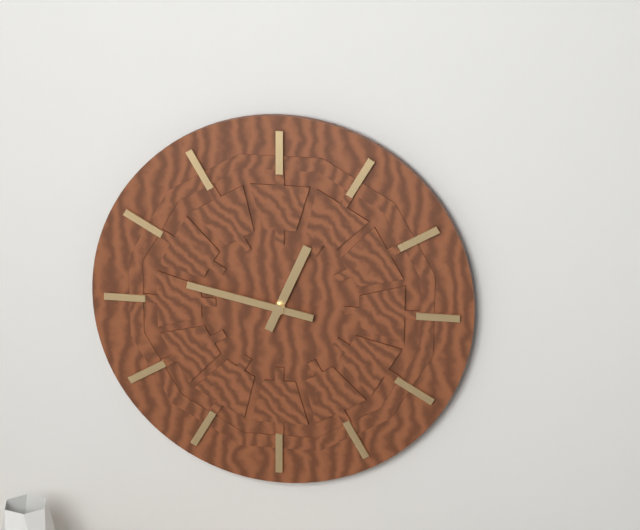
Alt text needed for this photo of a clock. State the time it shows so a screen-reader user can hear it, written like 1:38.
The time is 12:47
